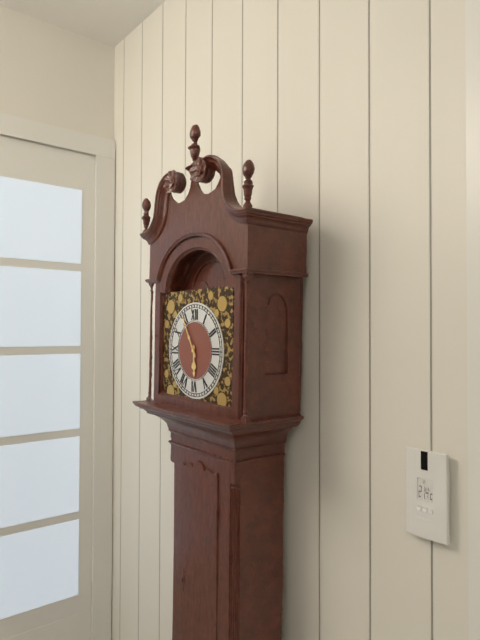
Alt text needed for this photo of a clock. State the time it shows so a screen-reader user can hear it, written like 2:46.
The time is 5:55
